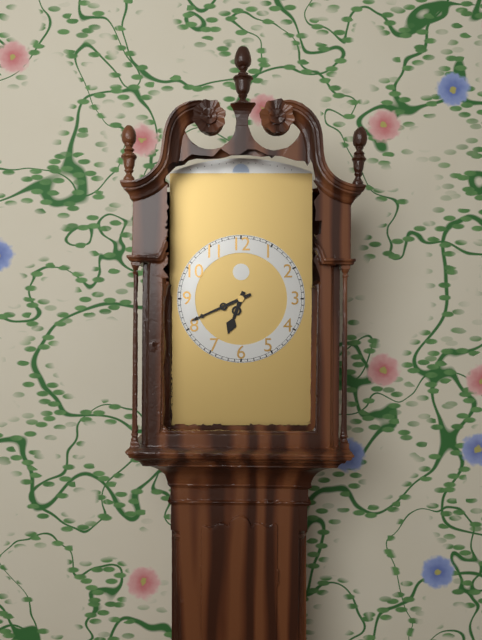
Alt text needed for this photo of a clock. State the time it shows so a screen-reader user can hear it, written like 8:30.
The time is 6:41
